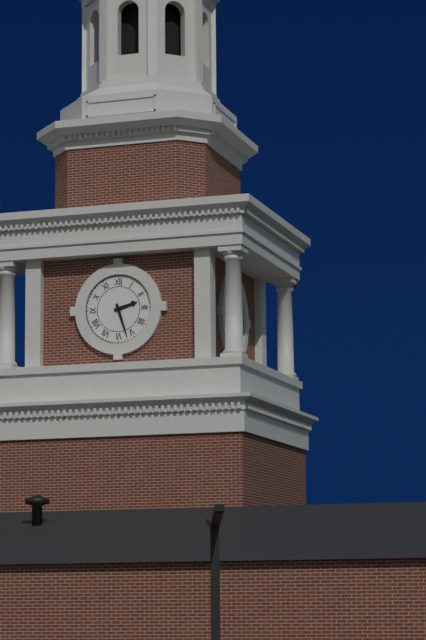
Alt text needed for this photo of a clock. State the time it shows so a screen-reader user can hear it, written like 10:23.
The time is 2:27
